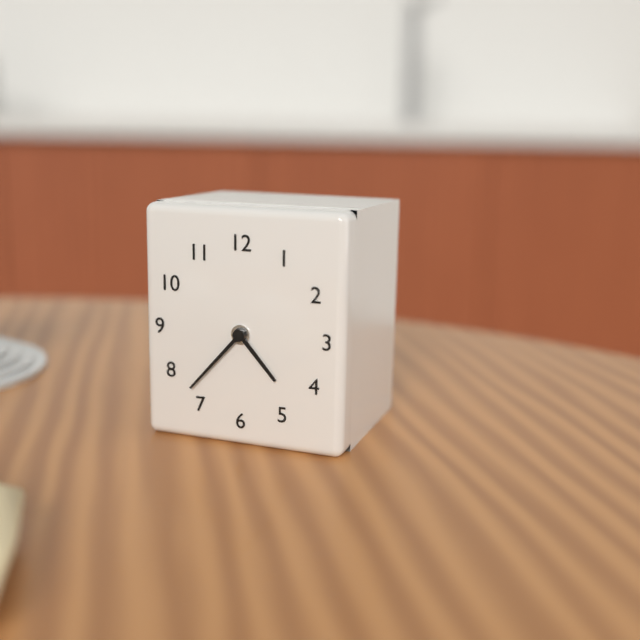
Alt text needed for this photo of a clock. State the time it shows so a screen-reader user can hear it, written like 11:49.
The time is 4:37
